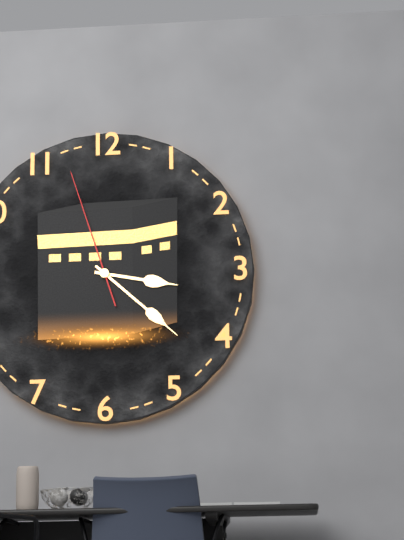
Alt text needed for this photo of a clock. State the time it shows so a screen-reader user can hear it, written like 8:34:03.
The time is 3:22:57
